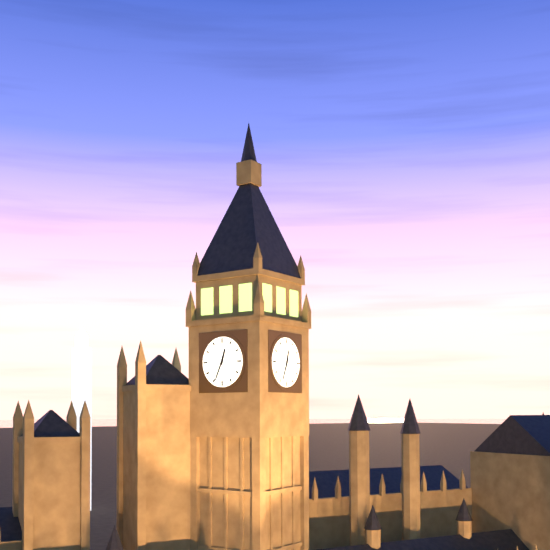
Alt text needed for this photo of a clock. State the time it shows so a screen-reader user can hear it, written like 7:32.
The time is 12:34
